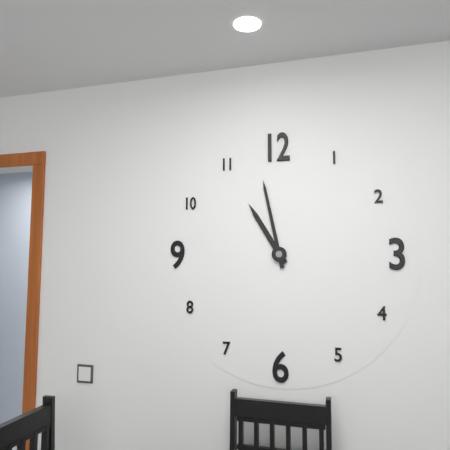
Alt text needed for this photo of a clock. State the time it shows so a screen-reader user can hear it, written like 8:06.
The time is 10:58
